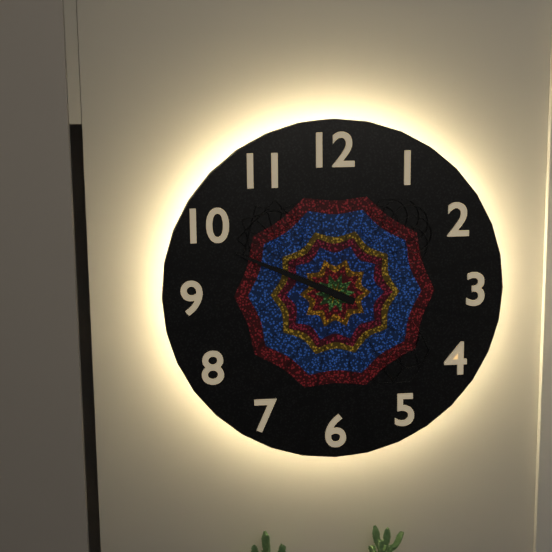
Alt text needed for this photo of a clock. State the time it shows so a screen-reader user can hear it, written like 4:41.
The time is 9:49
